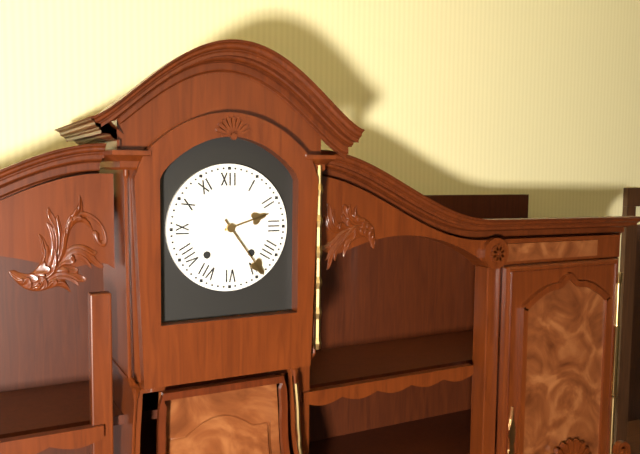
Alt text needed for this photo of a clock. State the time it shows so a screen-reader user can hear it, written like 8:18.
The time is 2:24
